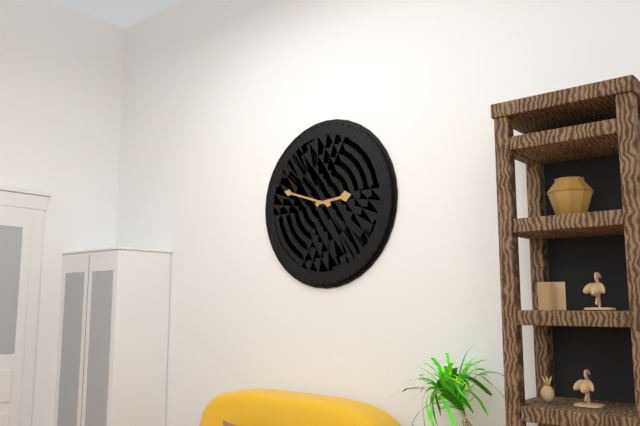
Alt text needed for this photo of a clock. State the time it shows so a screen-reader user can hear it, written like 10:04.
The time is 2:48
